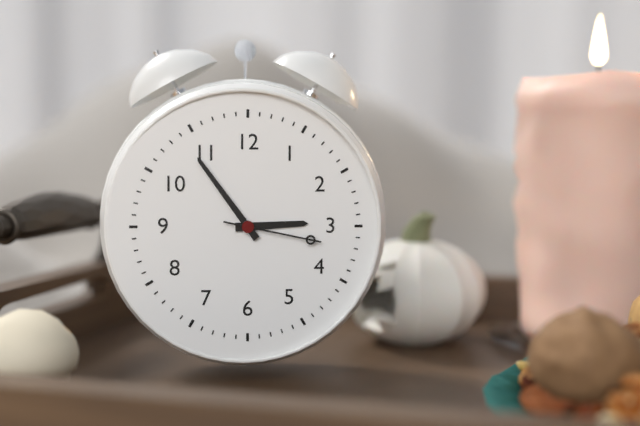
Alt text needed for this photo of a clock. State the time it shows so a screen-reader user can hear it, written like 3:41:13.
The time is 2:54:17
